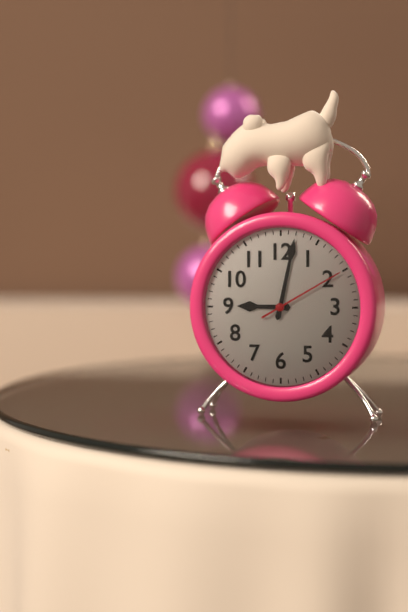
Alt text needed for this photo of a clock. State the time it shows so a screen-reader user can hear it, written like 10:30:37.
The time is 9:02:10
